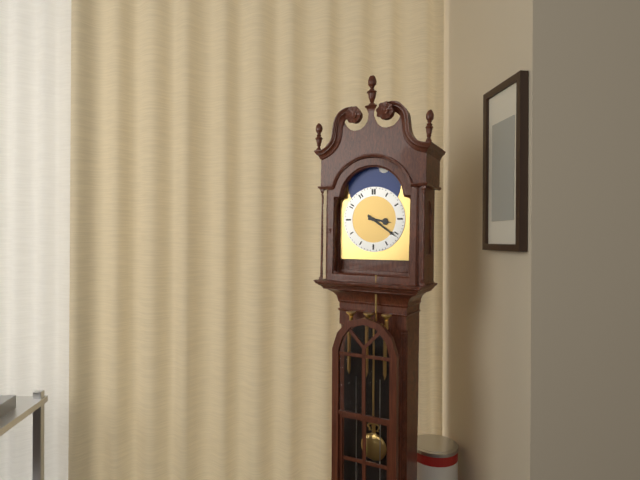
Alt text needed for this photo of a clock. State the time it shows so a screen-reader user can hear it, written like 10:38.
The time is 3:21
